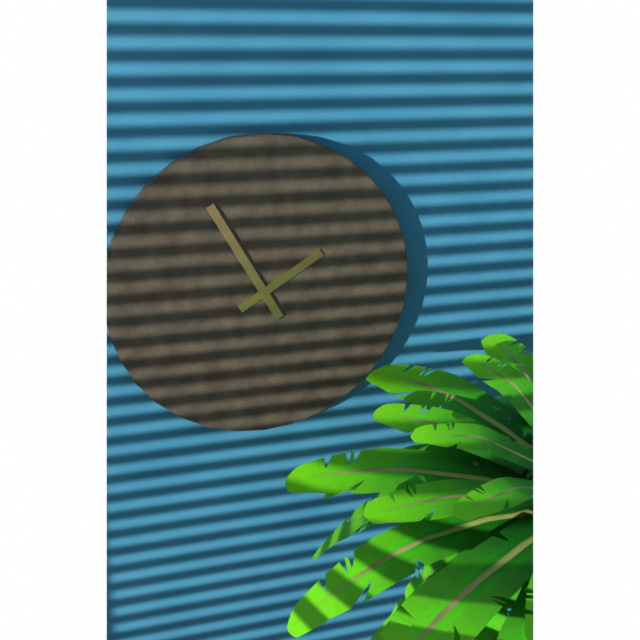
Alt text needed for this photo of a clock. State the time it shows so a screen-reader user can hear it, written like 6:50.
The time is 1:55
